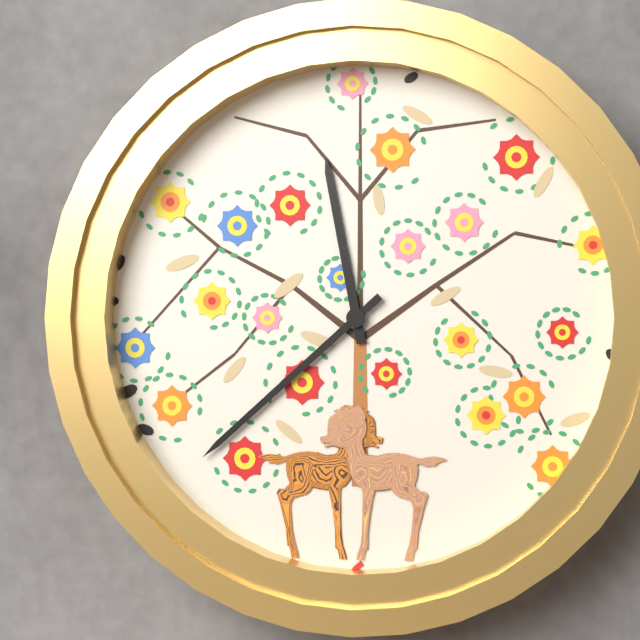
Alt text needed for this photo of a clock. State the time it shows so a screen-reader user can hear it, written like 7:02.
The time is 11:38
